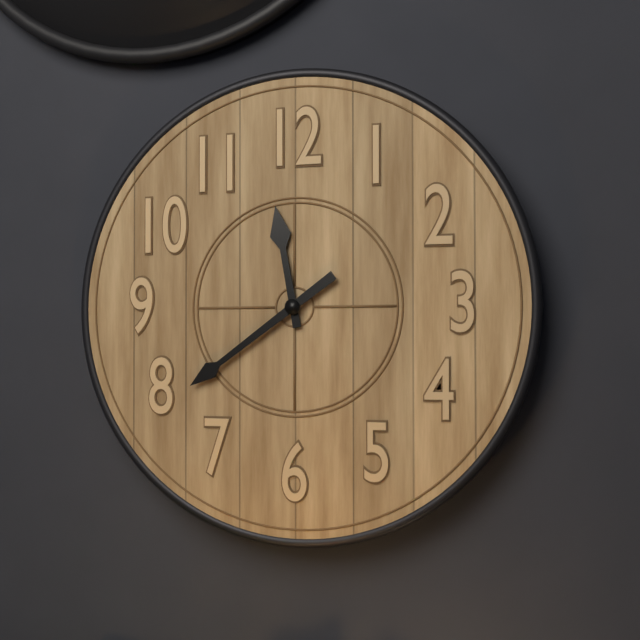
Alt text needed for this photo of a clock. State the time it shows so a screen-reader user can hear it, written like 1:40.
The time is 11:39
